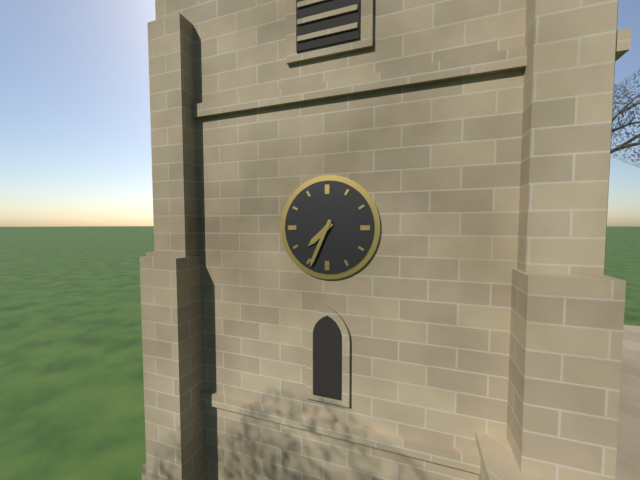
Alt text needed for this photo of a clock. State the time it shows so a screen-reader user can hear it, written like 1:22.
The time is 7:34
